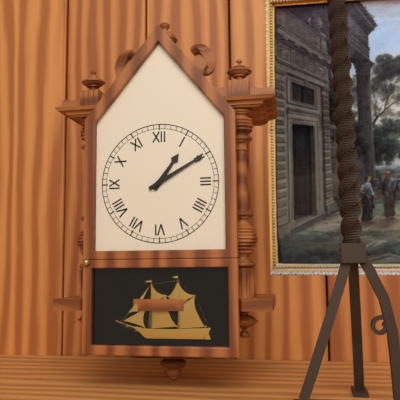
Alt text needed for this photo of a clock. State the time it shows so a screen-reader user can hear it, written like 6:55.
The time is 1:10
